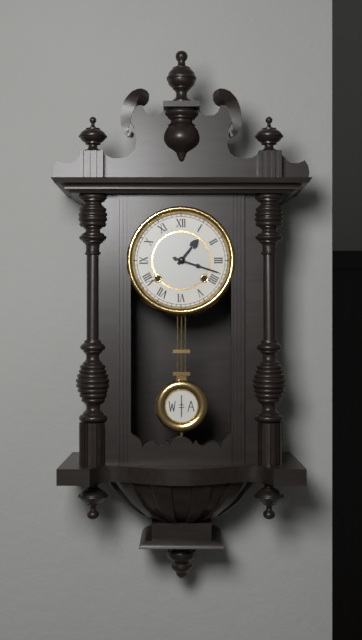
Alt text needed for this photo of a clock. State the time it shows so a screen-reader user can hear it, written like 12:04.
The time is 1:18
